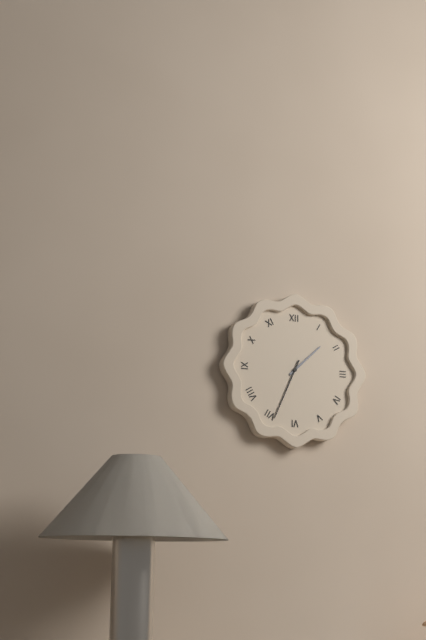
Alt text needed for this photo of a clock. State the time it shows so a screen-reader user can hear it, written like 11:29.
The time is 1:34
